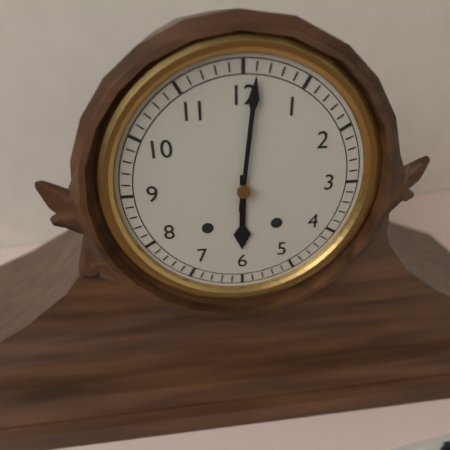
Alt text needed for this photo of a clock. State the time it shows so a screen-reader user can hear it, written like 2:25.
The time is 6:01
